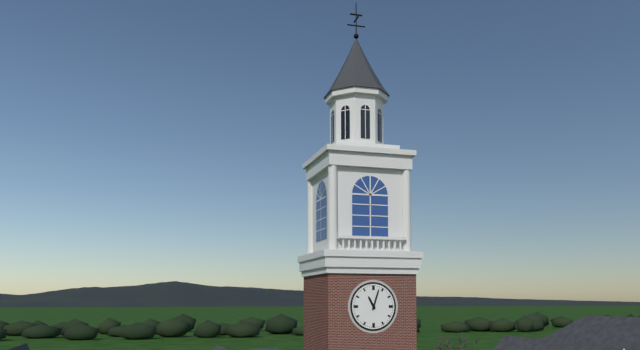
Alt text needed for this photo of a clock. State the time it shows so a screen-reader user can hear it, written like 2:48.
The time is 11:03
